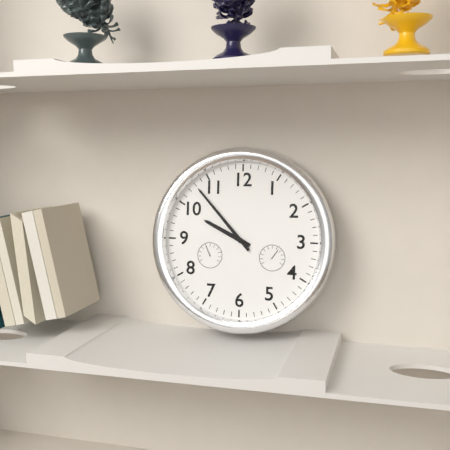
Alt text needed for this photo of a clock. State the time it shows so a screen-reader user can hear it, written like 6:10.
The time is 9:53
